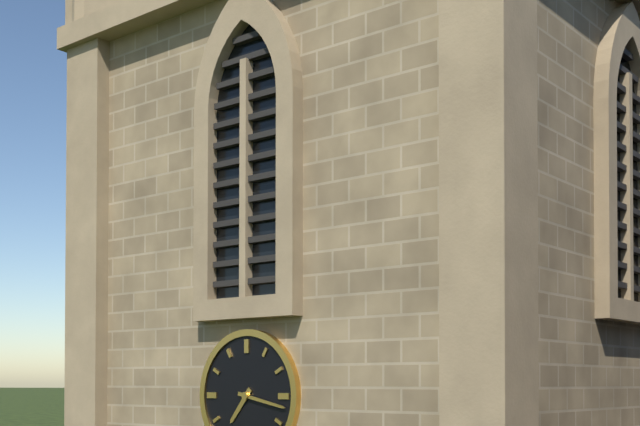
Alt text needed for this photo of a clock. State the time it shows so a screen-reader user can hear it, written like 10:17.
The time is 7:17
